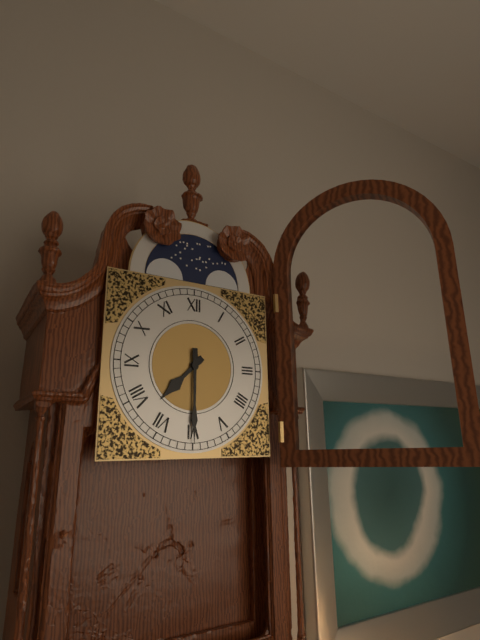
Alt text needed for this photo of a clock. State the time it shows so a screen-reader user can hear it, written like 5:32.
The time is 7:30
